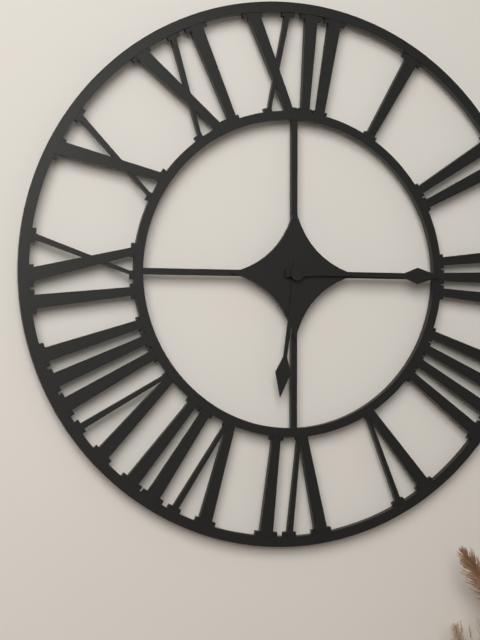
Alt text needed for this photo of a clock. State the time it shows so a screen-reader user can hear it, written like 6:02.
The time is 6:15
